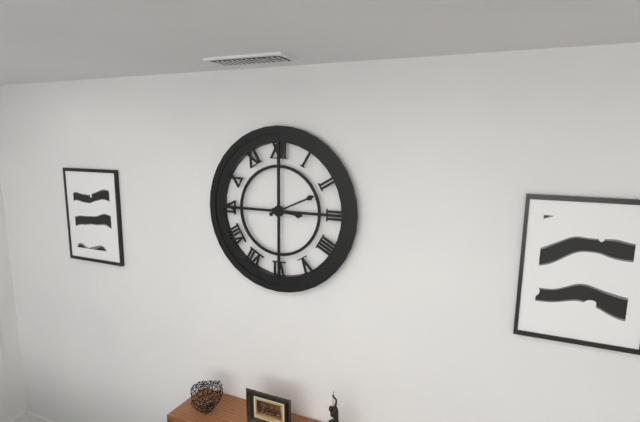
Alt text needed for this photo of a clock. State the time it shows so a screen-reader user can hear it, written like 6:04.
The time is 3:11
